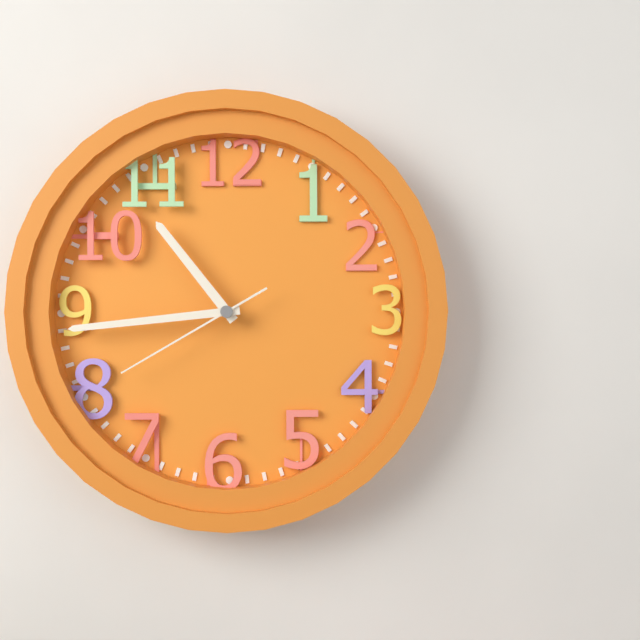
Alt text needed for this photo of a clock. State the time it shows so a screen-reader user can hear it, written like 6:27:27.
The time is 10:44:40
